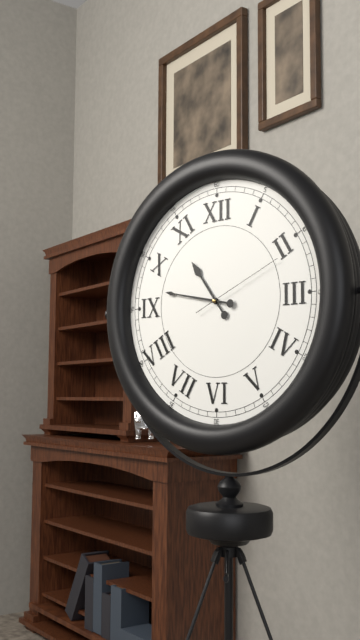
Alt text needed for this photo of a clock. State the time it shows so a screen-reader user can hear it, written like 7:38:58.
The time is 10:47:11
